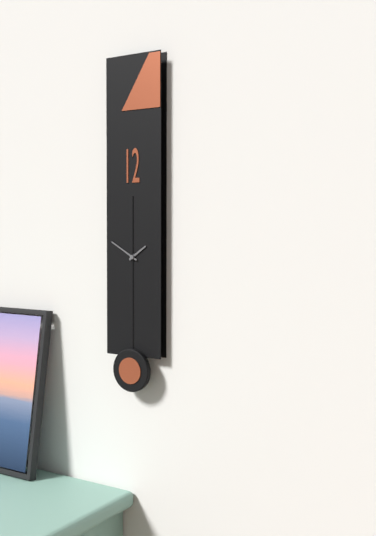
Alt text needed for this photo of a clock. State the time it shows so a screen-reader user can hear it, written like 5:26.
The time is 1:50
